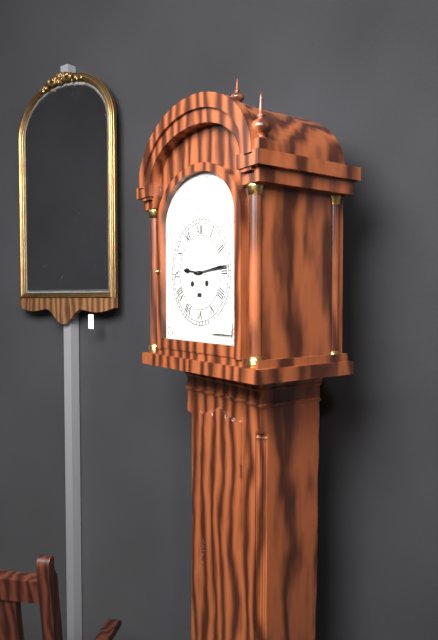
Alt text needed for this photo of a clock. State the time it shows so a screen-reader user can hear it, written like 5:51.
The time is 9:14
